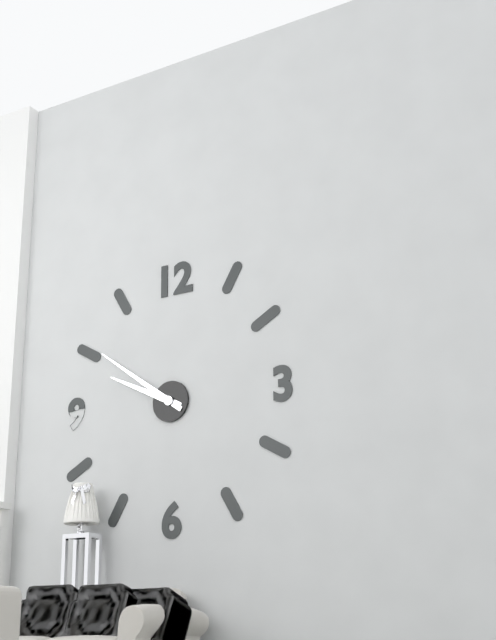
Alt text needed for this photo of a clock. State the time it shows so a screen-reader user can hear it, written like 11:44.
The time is 9:51
